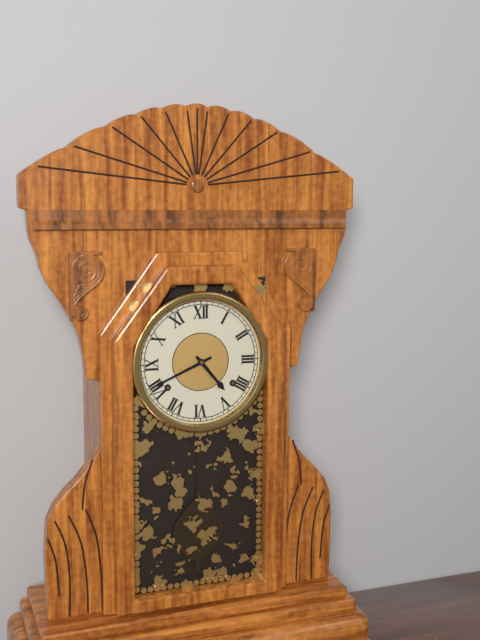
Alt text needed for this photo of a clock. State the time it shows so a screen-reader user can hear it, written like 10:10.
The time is 4:41
